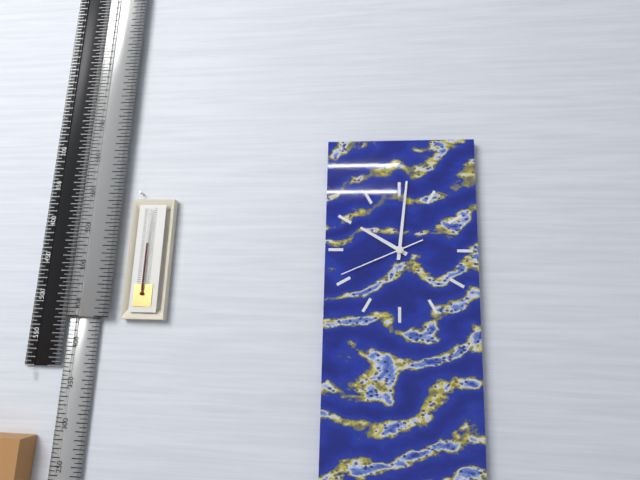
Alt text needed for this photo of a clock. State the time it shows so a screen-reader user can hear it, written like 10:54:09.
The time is 10:01:41
